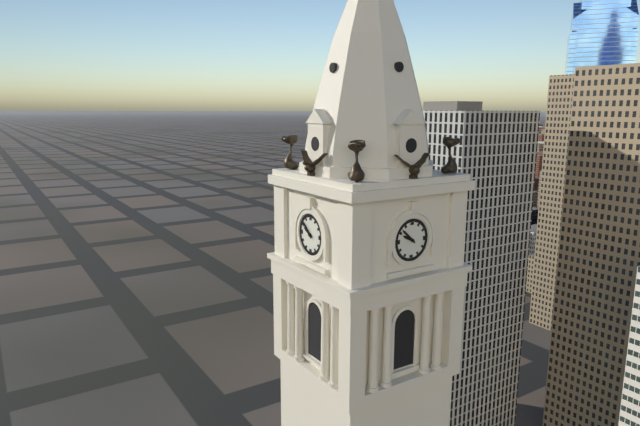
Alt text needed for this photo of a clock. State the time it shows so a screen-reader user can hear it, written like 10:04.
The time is 9:52
